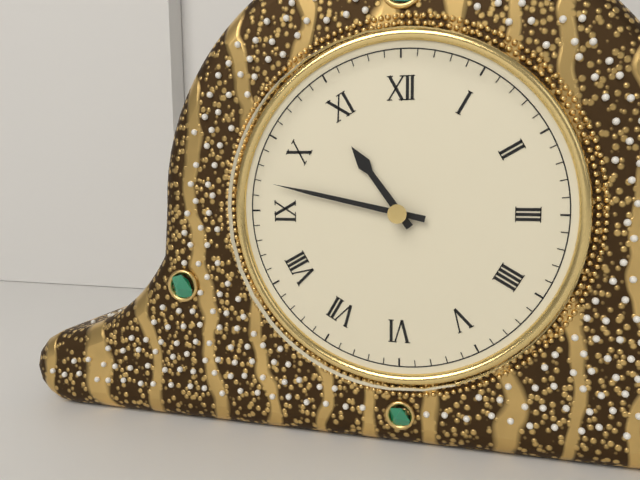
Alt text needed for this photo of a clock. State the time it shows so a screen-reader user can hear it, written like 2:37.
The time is 10:47
